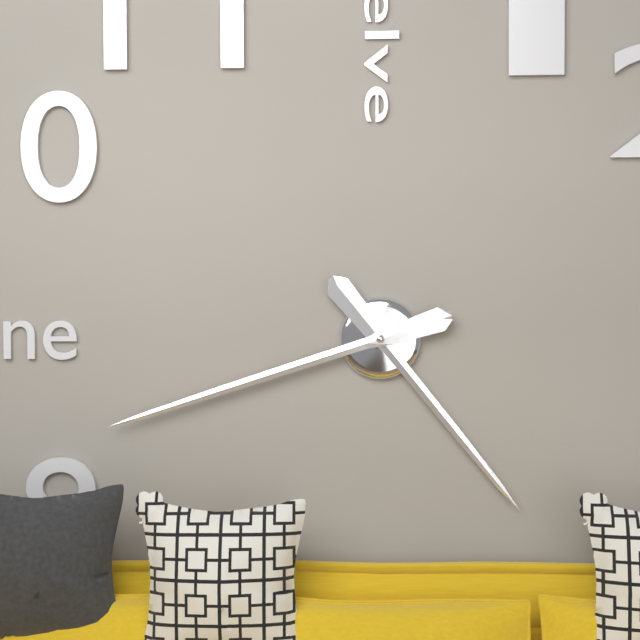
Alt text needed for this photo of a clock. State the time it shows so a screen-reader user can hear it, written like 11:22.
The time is 4:42
